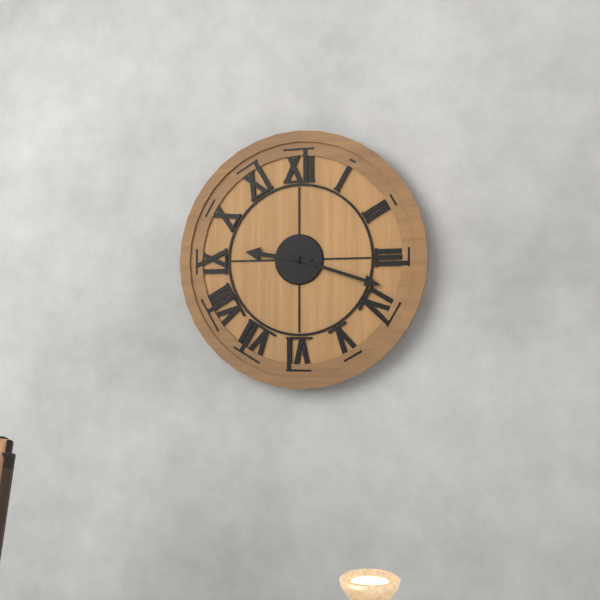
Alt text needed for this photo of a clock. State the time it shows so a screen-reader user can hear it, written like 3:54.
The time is 9:18
